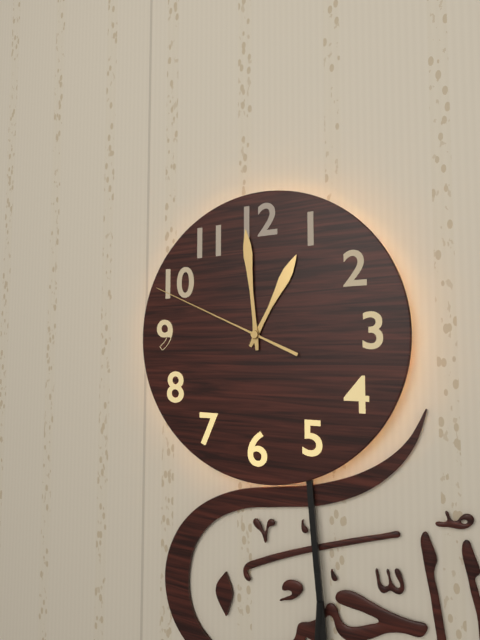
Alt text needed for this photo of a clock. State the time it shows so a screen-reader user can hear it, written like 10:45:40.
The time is 12:59:49
